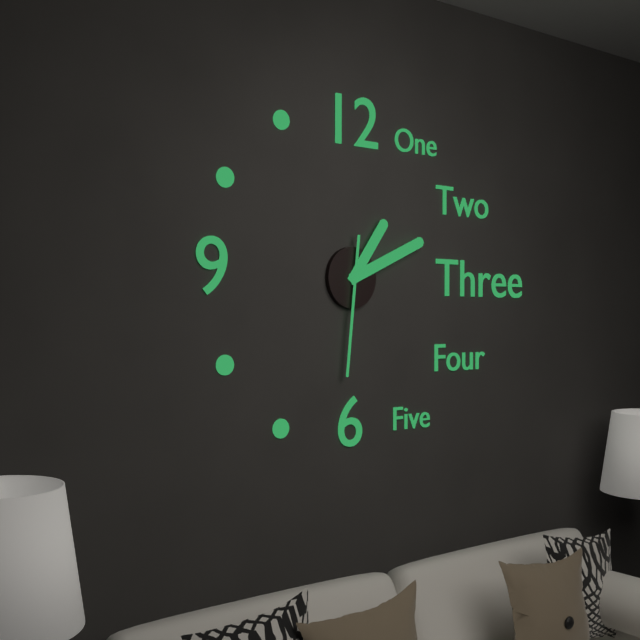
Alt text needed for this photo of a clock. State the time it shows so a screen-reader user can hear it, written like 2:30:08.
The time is 1:11:31
